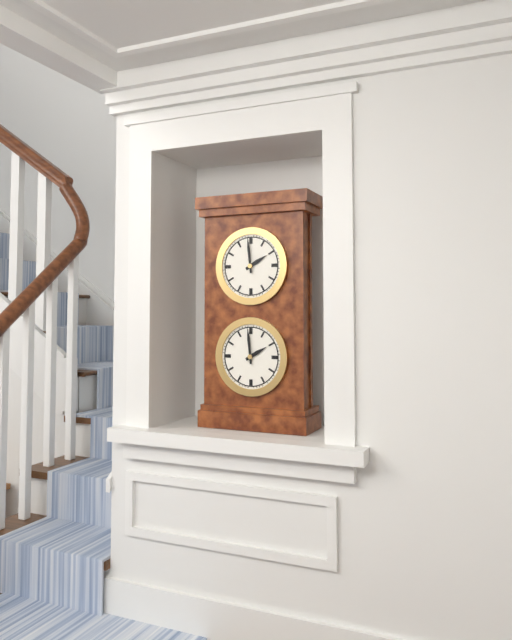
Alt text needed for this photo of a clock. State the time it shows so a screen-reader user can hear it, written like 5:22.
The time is 1:59
